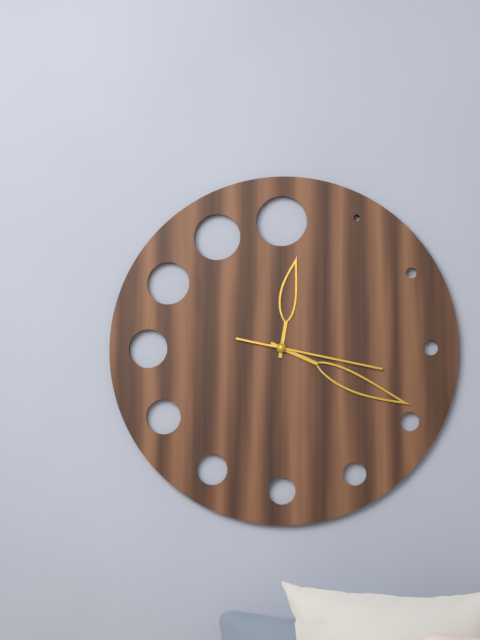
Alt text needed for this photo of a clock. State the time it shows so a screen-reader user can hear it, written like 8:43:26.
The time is 12:19:17
